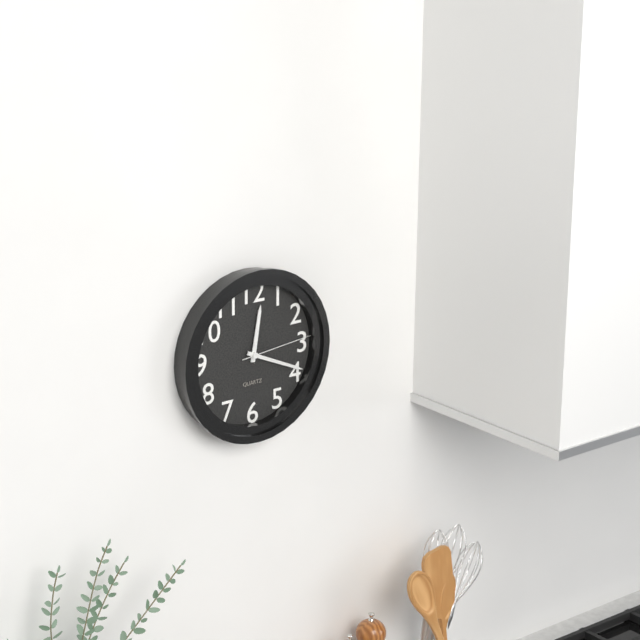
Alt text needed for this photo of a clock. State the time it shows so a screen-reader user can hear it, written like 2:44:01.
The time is 12:19:14
